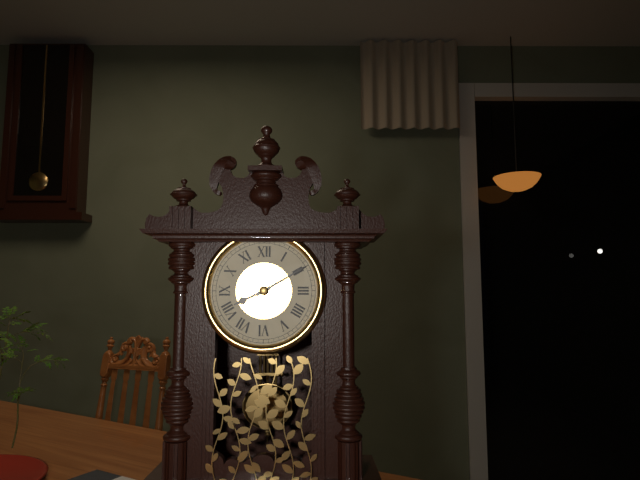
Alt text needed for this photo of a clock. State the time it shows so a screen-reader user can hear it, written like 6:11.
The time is 8:10
